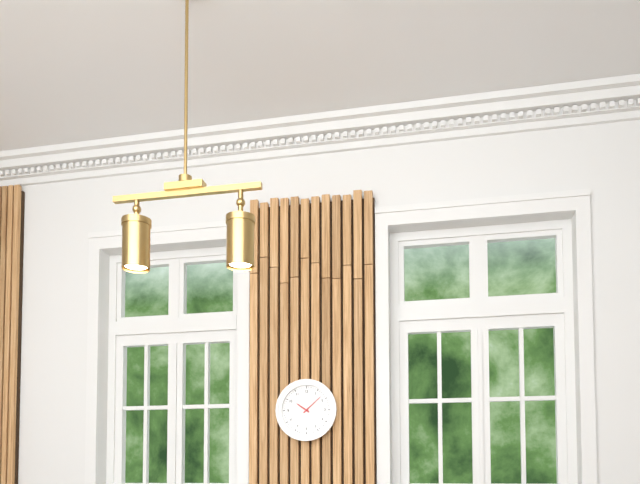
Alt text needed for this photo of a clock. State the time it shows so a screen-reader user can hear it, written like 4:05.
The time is 10:08
